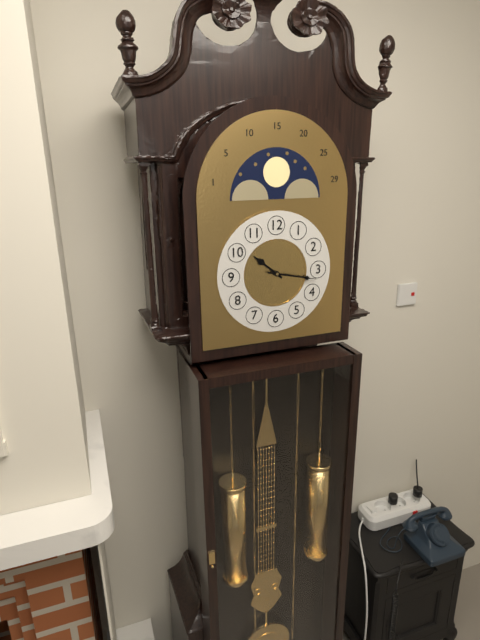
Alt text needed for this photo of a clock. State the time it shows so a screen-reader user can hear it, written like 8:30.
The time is 10:17
